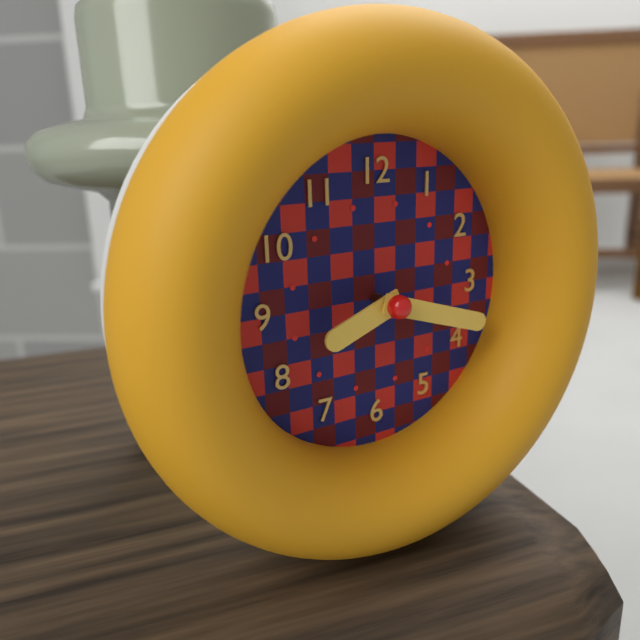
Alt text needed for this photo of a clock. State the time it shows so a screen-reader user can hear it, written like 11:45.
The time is 8:18
